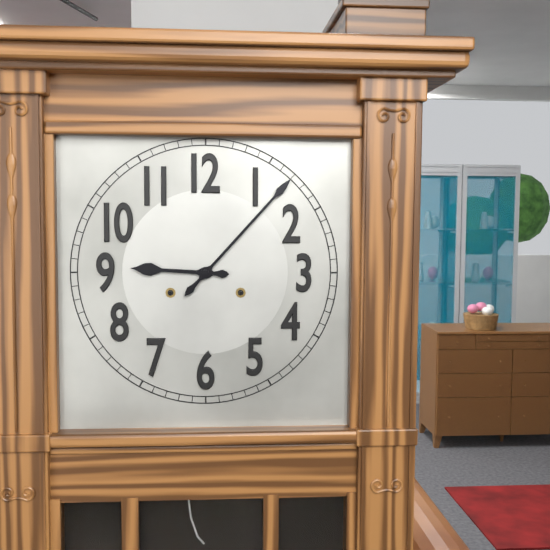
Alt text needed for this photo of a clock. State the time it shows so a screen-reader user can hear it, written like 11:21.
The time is 9:07
